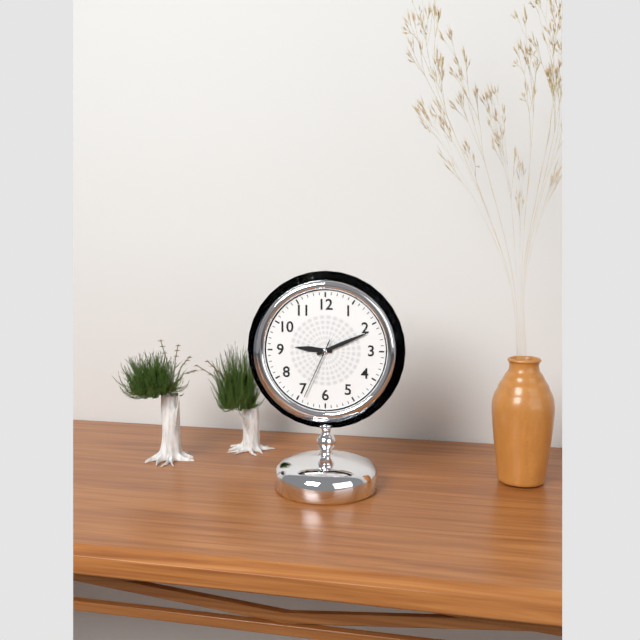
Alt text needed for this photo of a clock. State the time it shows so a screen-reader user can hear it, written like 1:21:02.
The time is 9:11:34
